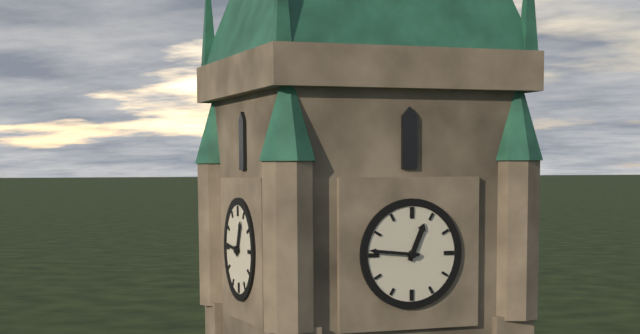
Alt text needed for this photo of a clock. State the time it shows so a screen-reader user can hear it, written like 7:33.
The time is 12:46
